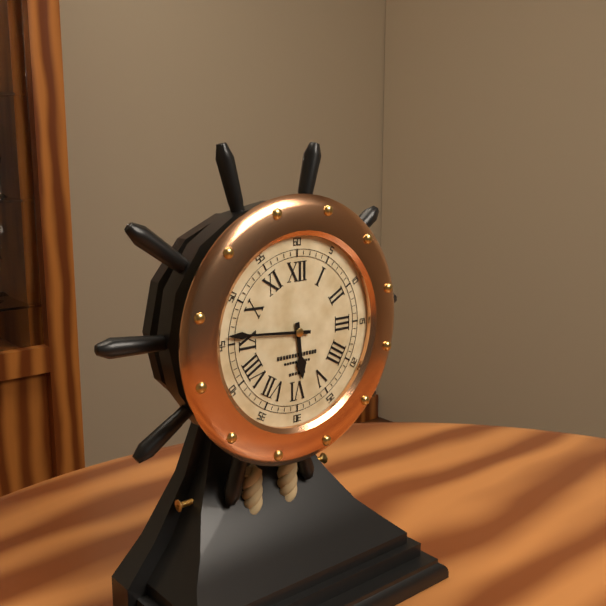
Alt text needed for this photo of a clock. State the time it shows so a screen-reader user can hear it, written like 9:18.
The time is 5:46
